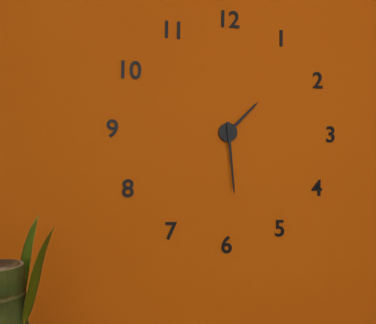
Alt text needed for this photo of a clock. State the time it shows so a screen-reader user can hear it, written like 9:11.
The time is 1:29
